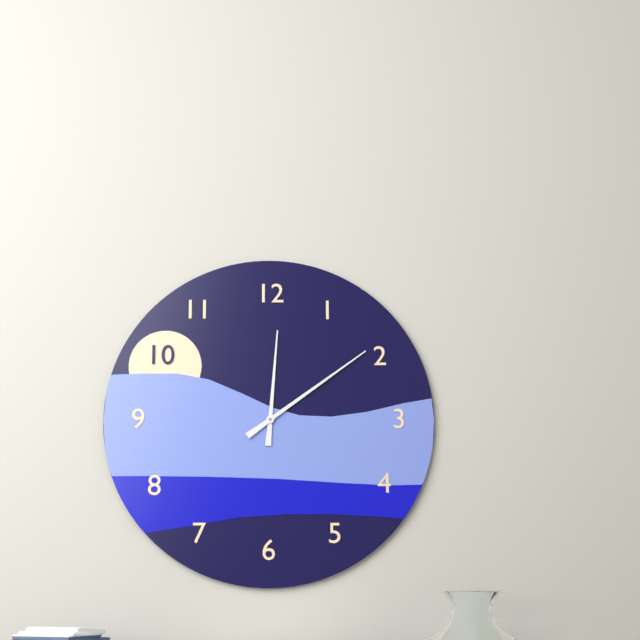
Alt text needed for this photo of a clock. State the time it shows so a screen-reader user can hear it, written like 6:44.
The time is 12:09
